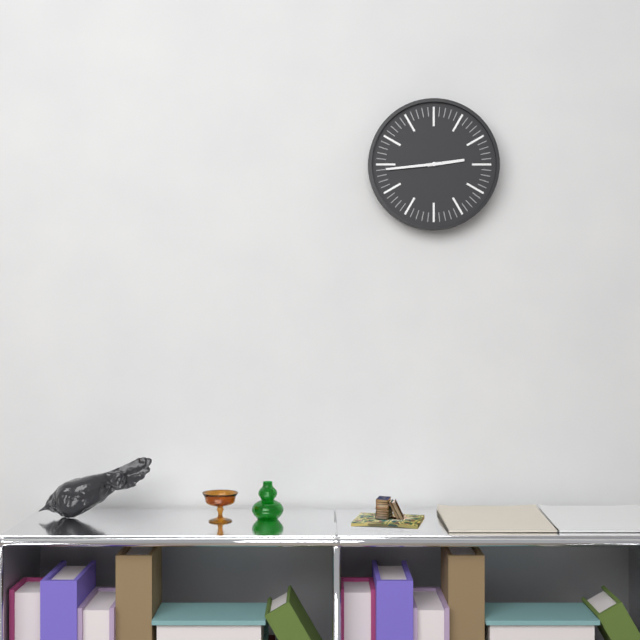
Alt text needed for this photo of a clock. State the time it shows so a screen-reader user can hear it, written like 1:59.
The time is 2:44
